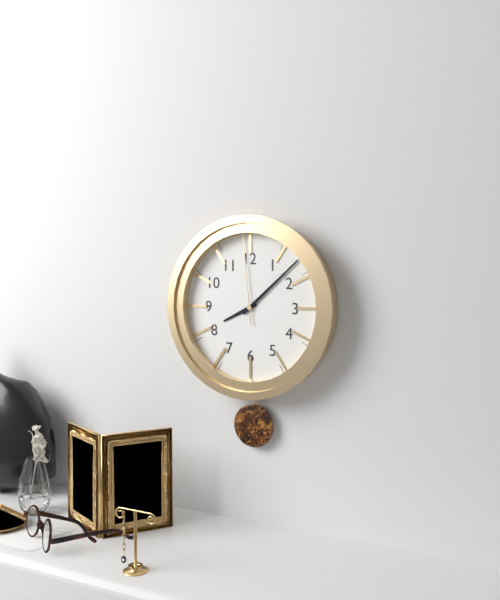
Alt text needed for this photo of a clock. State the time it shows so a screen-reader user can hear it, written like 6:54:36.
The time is 8:08:59
